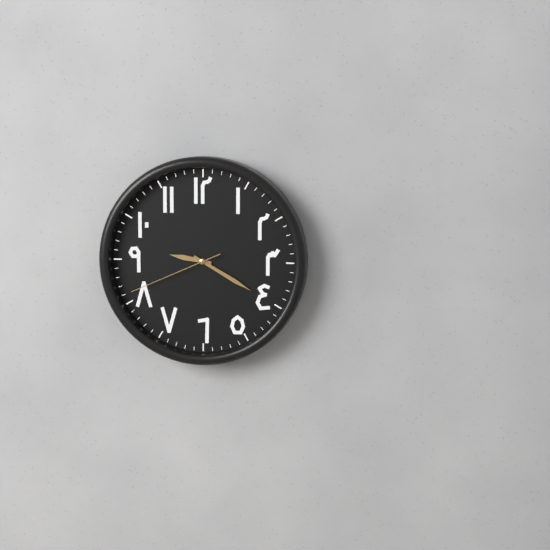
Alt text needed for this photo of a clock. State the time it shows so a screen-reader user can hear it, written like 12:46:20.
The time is 9:20:41
